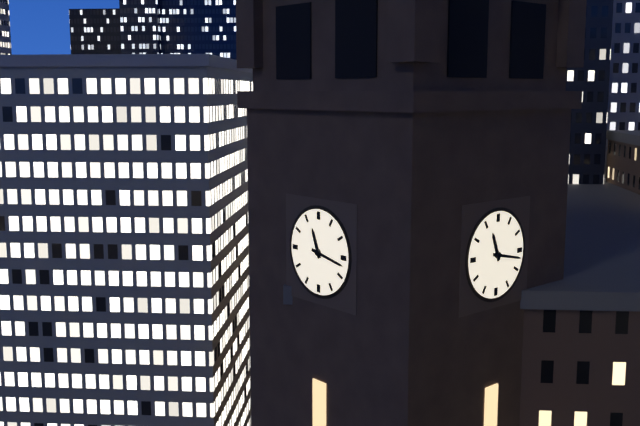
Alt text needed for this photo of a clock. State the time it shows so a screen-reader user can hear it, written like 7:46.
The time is 11:17
